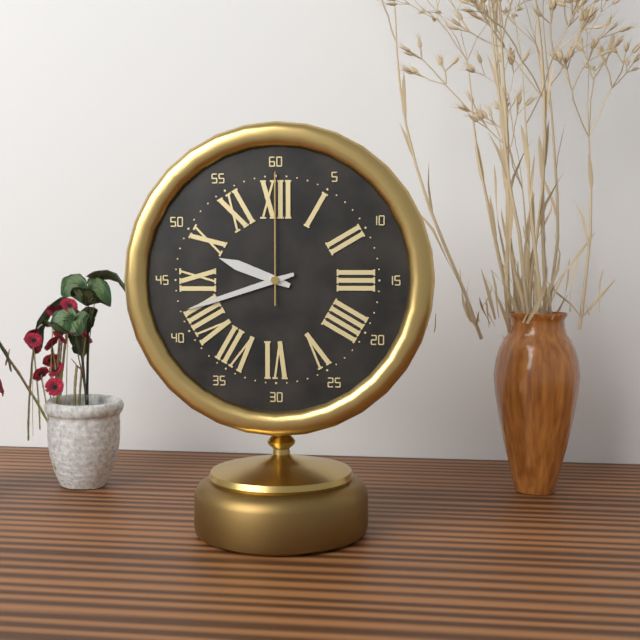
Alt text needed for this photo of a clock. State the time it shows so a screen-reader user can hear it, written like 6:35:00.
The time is 9:42:00
